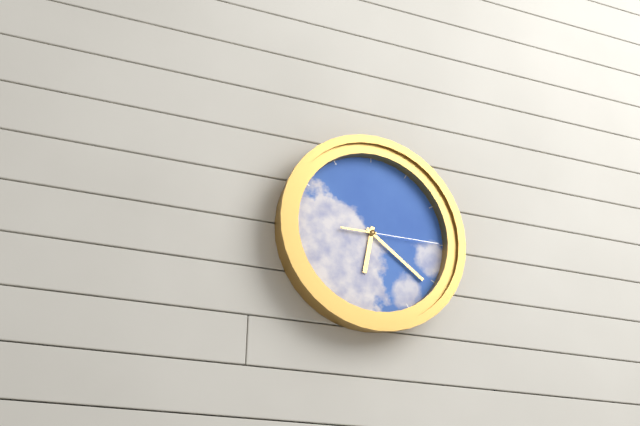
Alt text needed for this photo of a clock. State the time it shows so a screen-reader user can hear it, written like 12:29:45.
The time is 6:21:15
